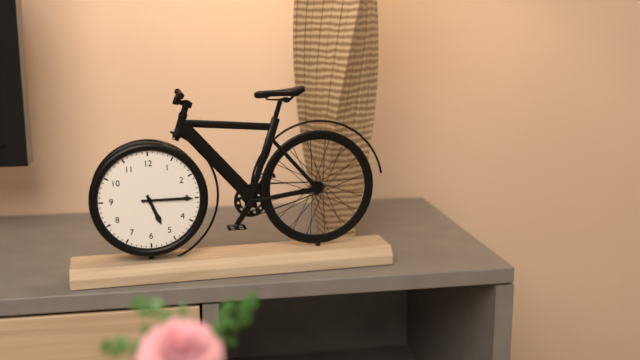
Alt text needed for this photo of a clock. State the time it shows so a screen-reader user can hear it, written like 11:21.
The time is 5:15
